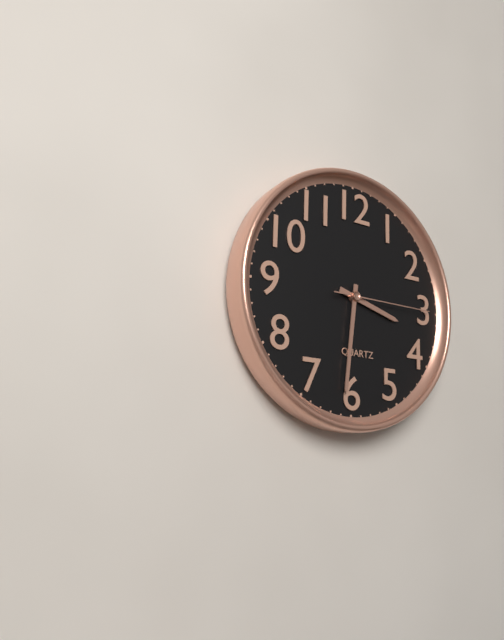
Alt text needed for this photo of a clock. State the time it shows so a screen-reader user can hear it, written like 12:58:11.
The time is 3:31:15
